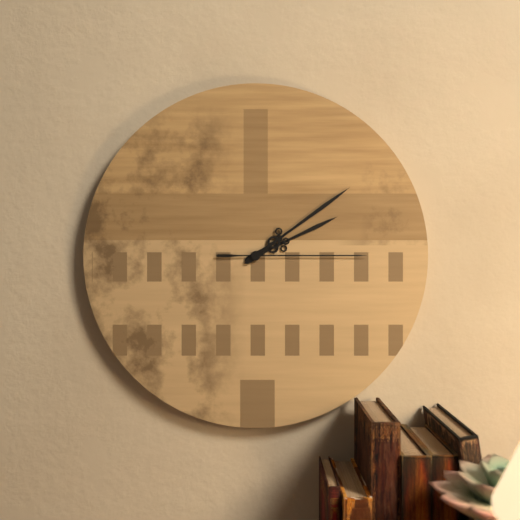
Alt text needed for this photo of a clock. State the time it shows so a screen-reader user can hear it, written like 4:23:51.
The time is 2:09:15
